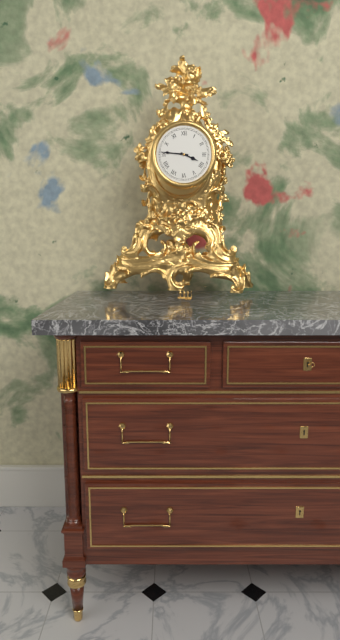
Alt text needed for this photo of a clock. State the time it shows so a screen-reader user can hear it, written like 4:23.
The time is 3:46
